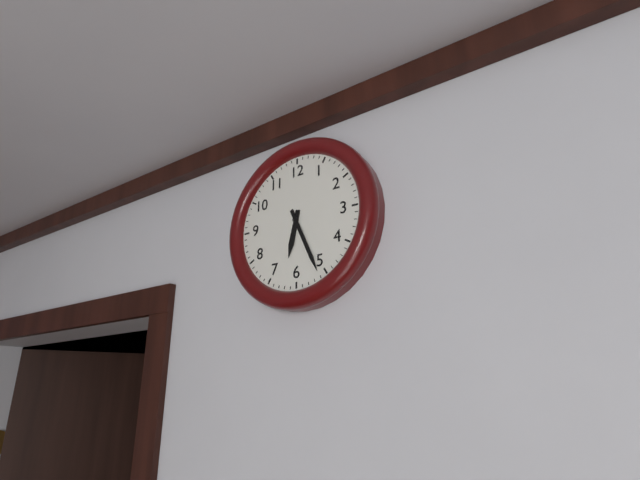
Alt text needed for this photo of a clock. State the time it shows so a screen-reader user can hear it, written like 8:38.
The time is 6:26
